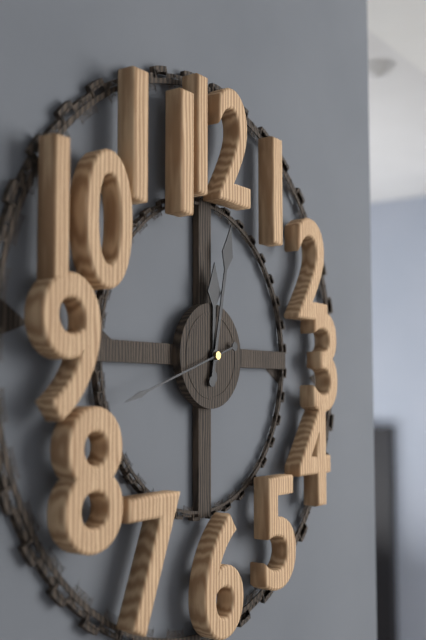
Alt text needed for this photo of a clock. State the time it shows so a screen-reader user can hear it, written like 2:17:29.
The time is 12:02:42
